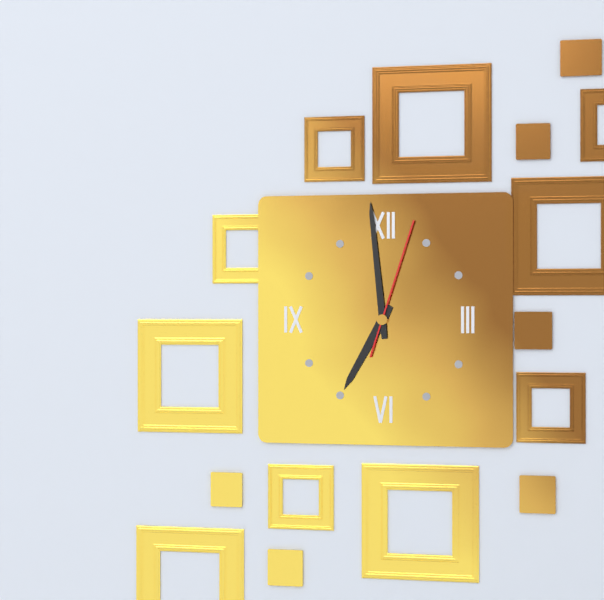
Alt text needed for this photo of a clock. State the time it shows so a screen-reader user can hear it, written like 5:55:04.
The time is 6:59:03
